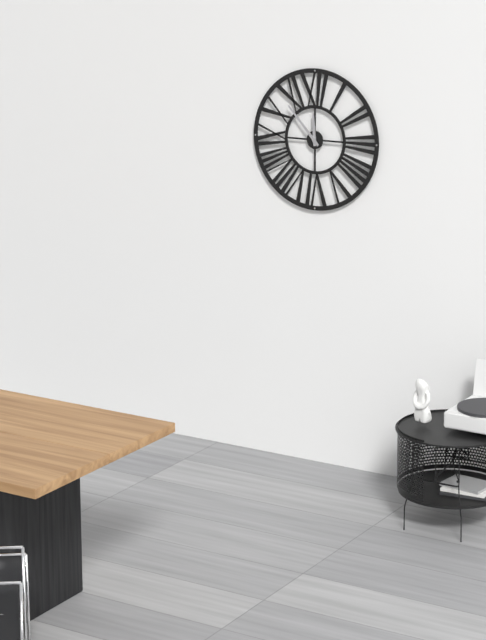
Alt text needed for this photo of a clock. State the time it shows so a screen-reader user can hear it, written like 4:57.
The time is 11:53
